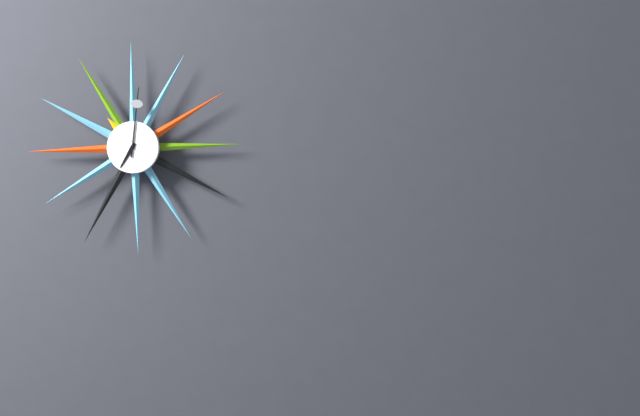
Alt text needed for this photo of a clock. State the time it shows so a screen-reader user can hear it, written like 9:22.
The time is 7:01
